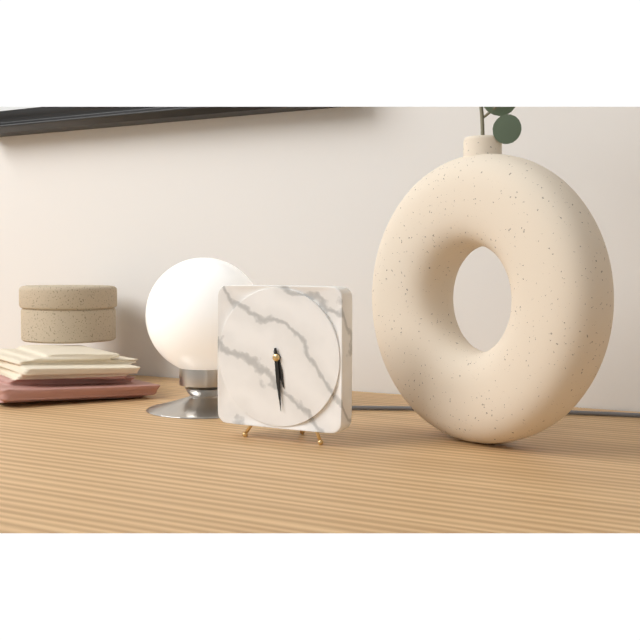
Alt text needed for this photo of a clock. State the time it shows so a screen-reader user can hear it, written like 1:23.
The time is 5:29
